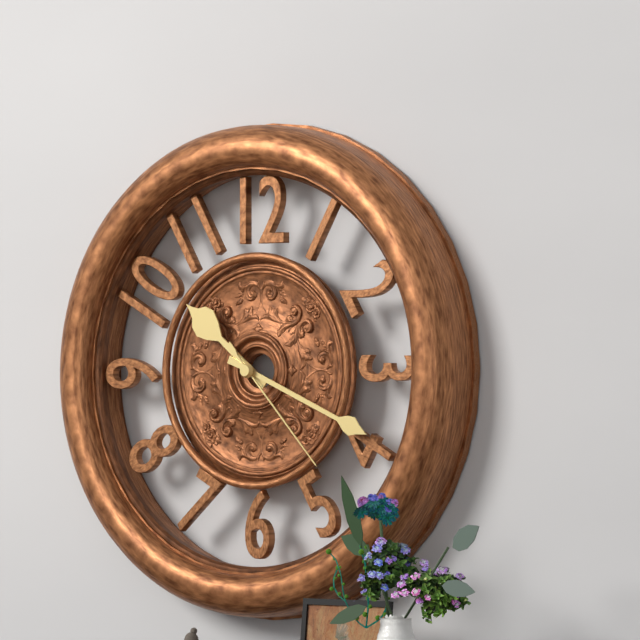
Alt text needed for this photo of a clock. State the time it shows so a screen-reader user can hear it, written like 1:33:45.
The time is 10:19:23
